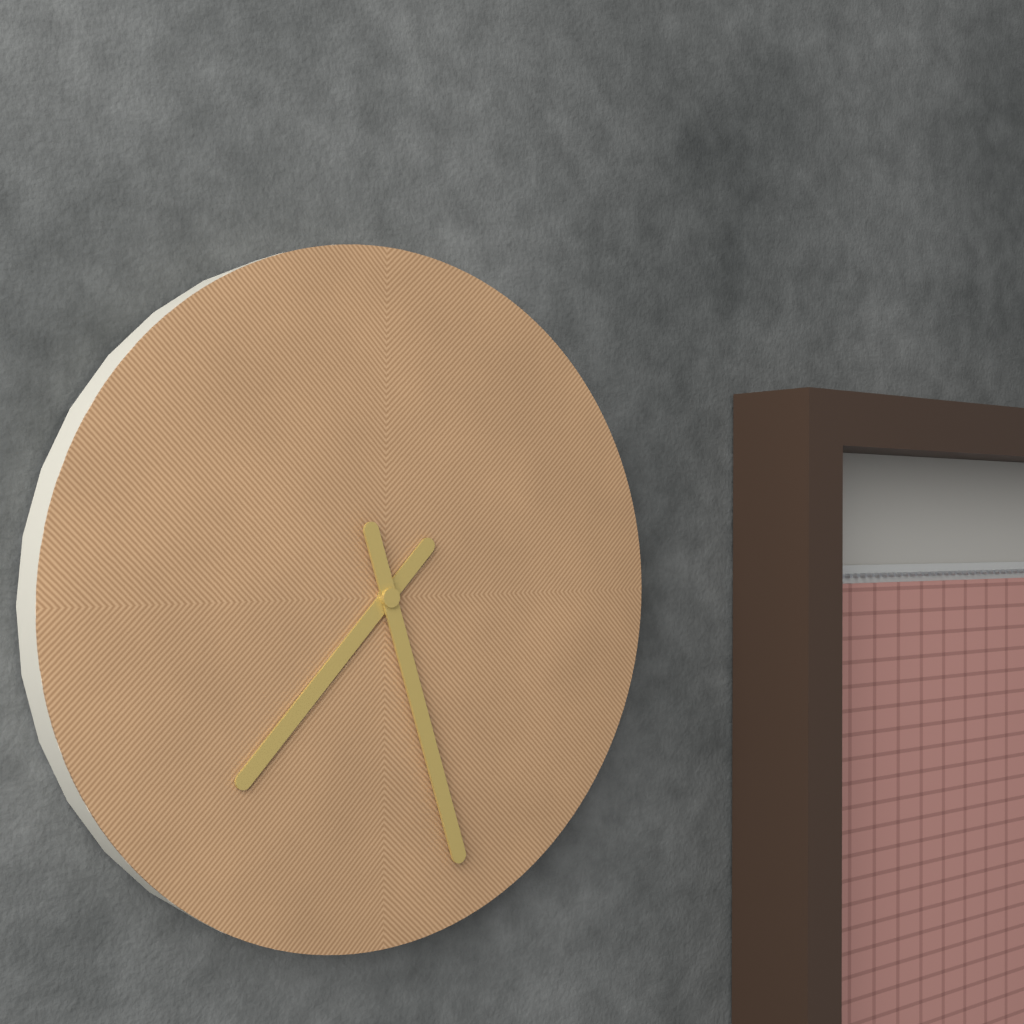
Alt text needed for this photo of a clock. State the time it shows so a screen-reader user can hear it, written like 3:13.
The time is 7:27
